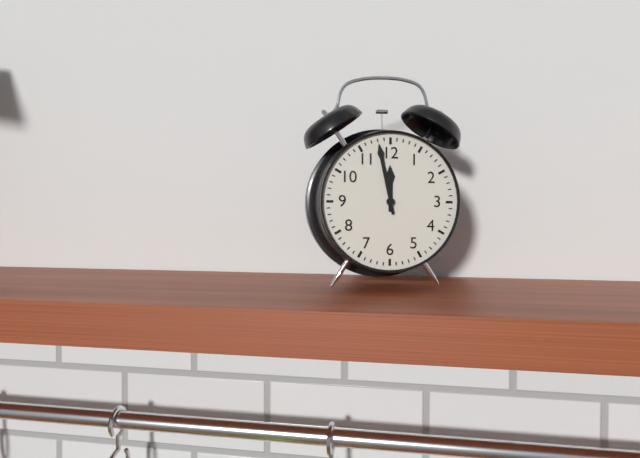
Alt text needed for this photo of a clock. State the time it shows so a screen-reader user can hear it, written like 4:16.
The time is 11:58
